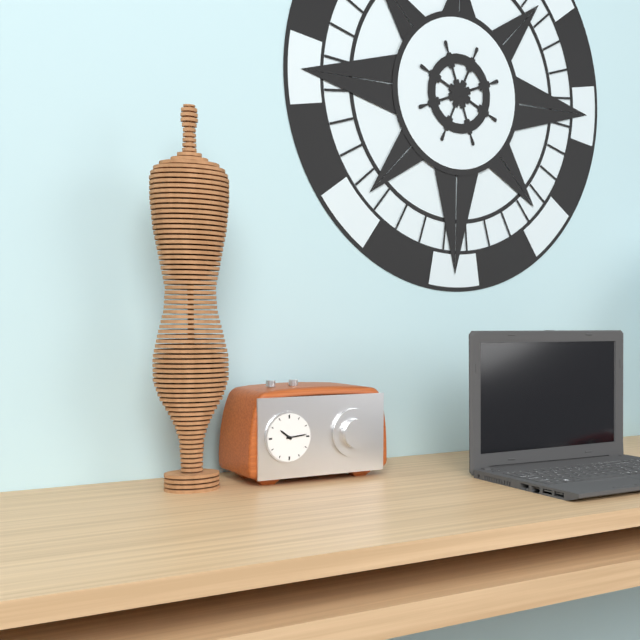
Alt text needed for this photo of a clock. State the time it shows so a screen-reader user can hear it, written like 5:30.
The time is 10:14
